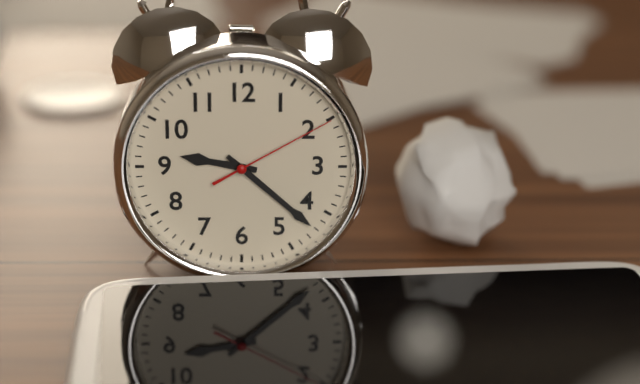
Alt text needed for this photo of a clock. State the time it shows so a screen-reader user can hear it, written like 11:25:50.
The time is 9:22:10
